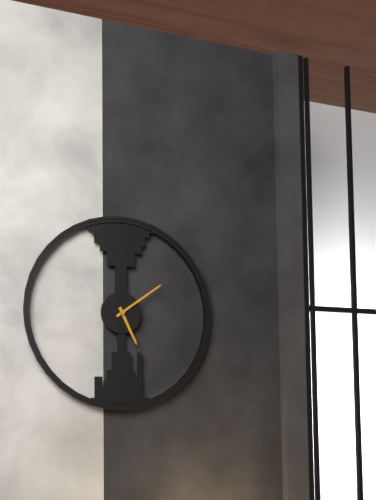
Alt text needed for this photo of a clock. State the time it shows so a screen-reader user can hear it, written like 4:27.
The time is 5:09
